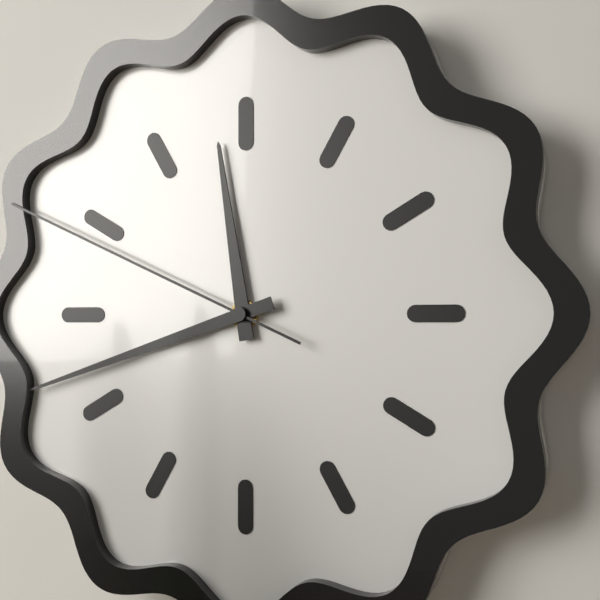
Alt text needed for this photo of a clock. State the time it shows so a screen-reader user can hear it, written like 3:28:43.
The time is 11:42:49
